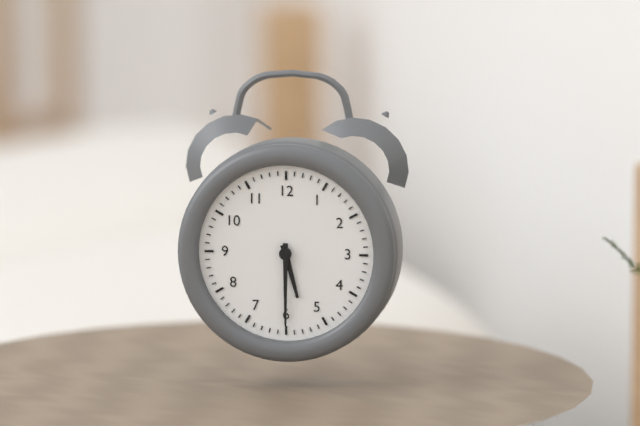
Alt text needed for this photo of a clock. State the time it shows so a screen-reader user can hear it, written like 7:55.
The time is 5:30
